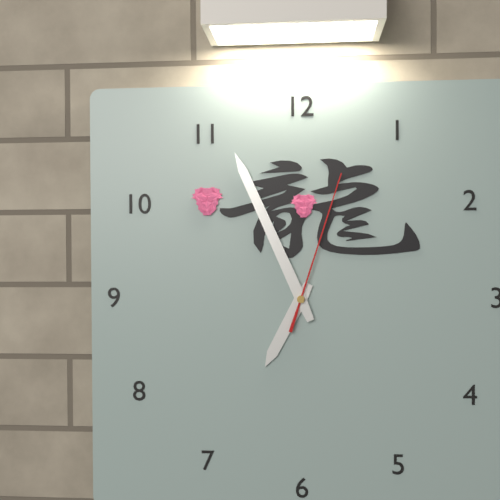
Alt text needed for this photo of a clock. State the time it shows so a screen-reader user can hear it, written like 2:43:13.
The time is 6:56:03
